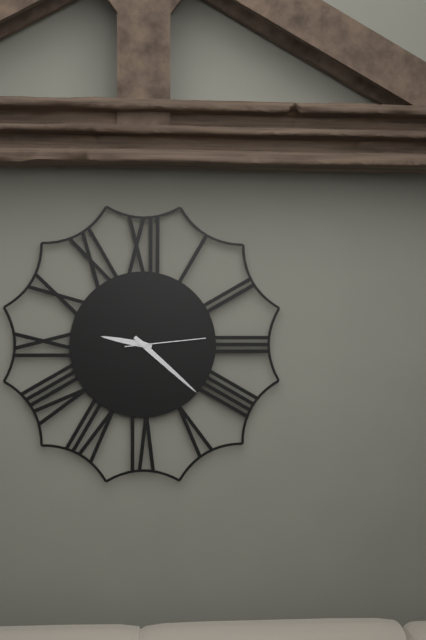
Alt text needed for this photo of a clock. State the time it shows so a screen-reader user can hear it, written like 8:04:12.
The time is 9:22:14
